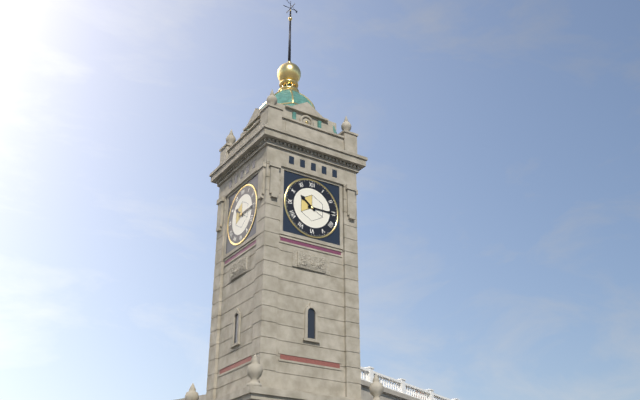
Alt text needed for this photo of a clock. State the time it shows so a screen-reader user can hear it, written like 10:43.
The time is 10:15
